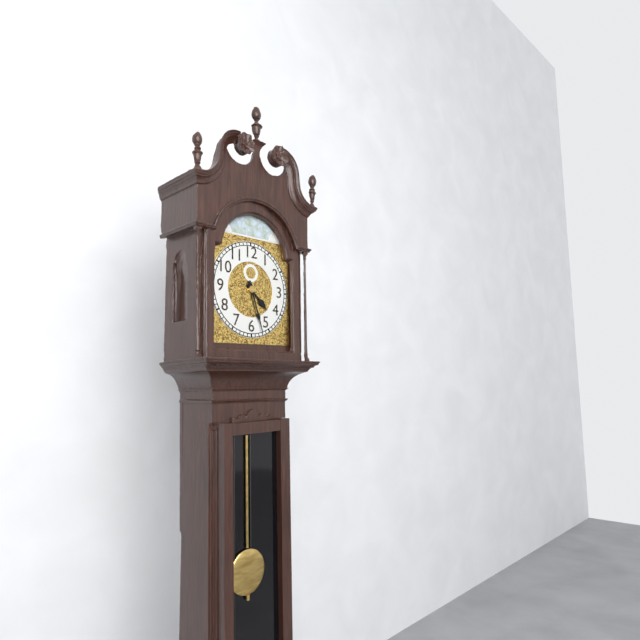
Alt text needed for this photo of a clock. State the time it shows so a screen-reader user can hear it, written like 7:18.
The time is 4:27
